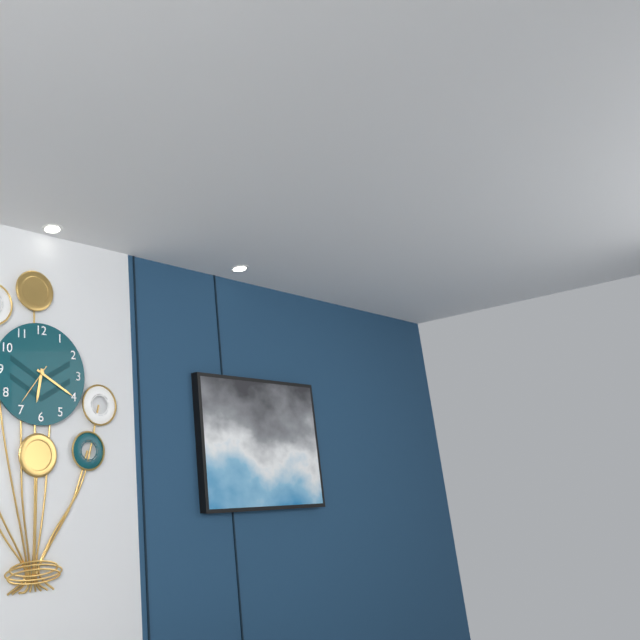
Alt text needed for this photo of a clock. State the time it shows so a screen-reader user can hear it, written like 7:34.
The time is 6:20
